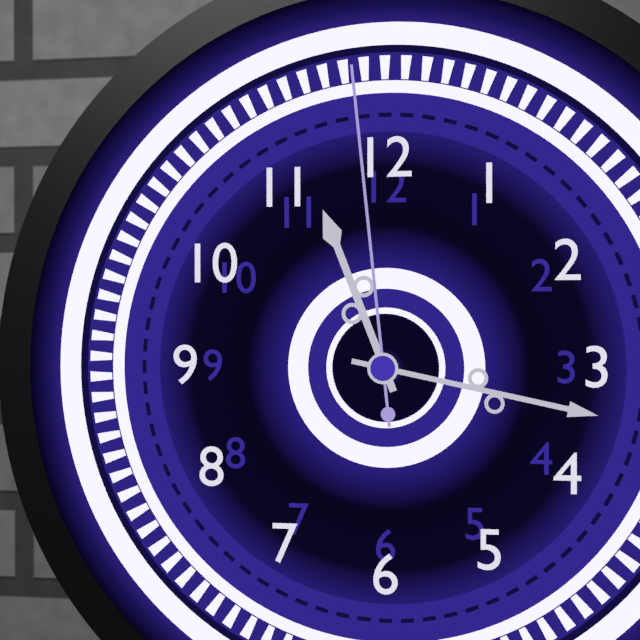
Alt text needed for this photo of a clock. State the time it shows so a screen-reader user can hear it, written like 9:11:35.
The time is 11:17:59
